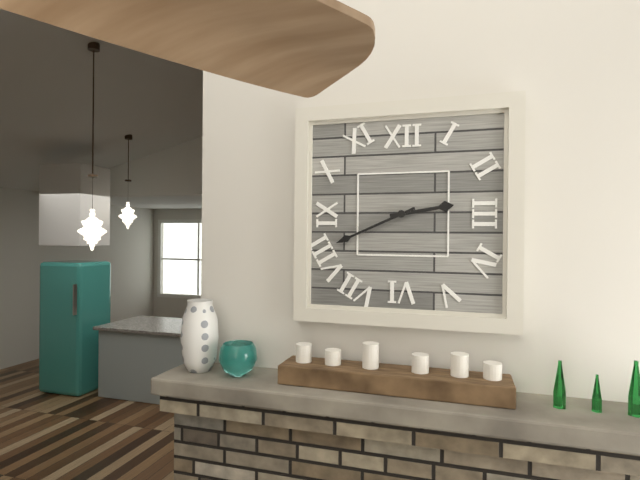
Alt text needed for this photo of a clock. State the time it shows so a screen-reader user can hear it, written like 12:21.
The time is 2:41
